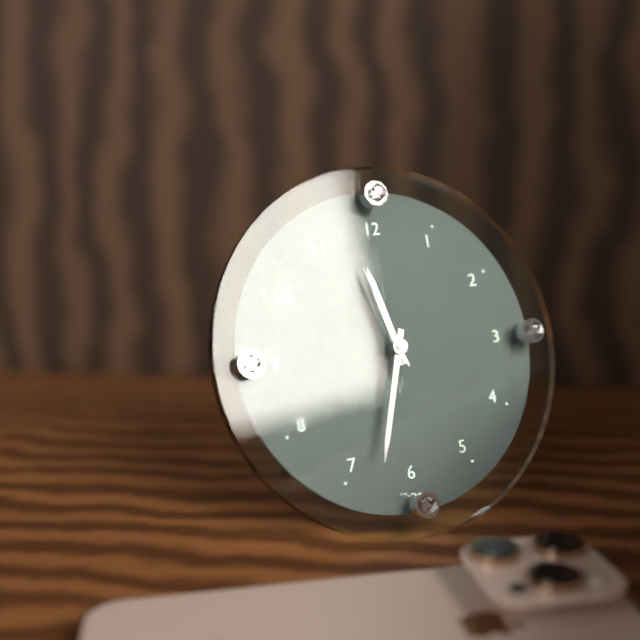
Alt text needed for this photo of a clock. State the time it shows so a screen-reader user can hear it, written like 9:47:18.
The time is 11:33:57
